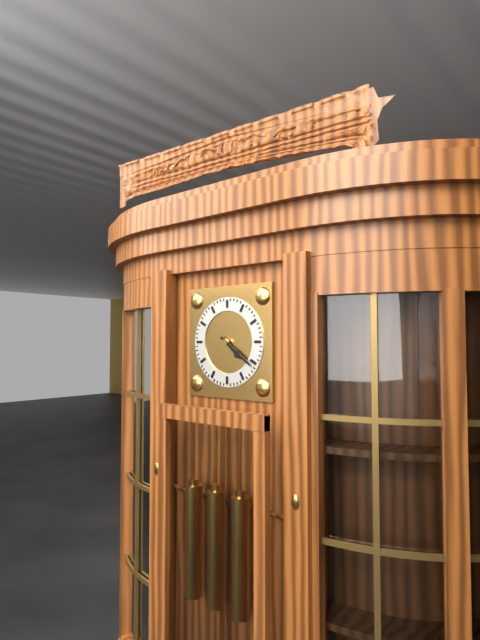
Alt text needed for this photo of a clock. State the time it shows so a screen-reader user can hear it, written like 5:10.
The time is 4:21
